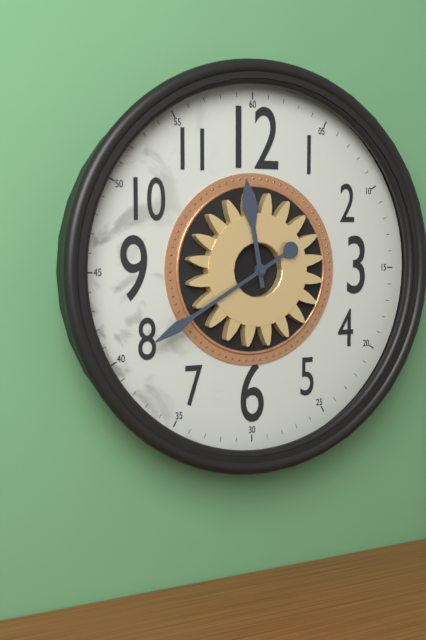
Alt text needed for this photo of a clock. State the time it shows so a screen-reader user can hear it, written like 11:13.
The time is 11:40
